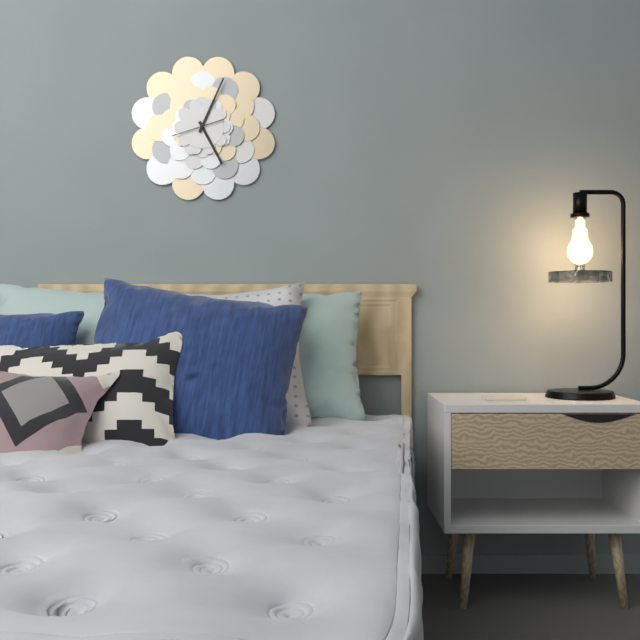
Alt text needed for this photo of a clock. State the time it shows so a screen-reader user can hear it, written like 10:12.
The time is 5:04
